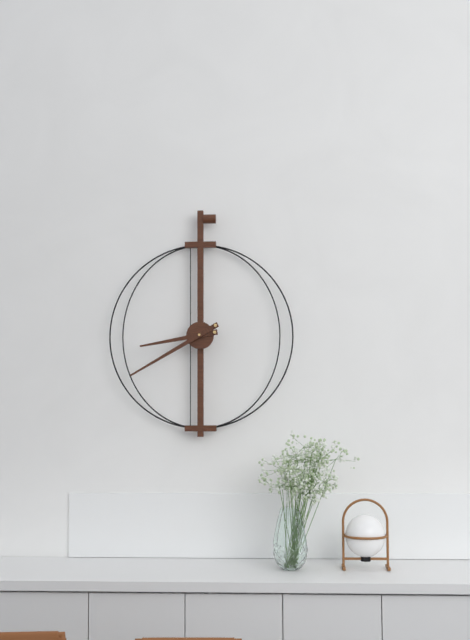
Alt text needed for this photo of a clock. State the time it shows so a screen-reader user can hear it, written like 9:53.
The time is 8:40
